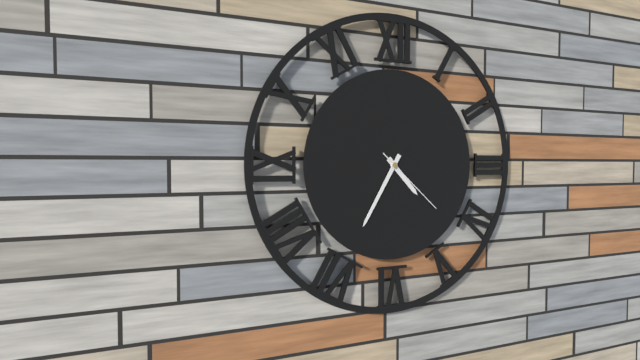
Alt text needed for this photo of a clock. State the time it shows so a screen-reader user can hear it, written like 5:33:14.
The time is 4:35:22
